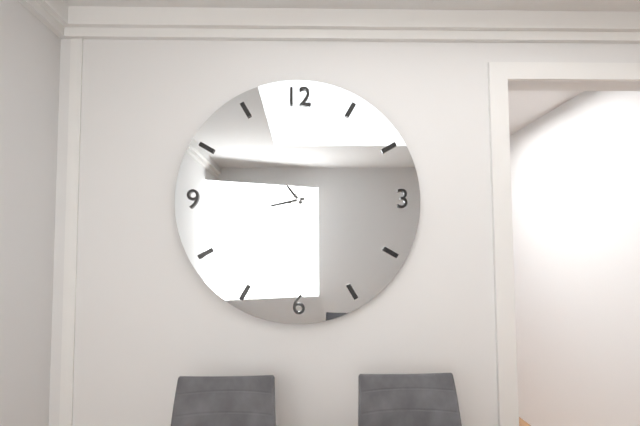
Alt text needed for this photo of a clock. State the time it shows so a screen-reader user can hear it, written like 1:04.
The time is 10:43
